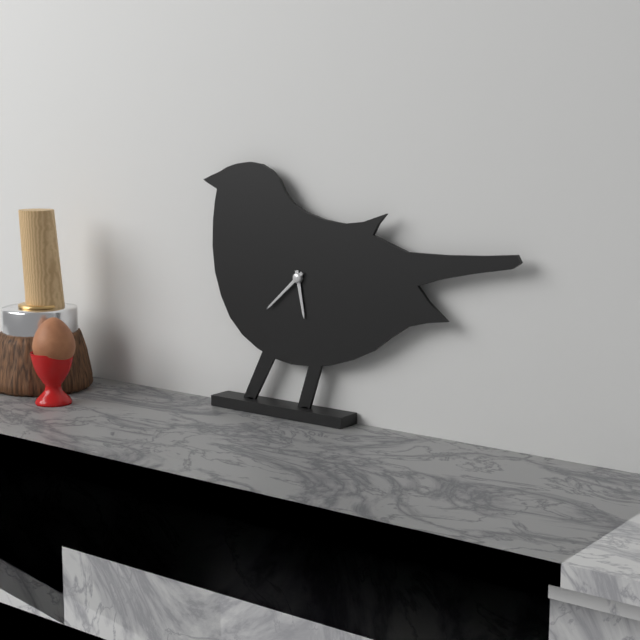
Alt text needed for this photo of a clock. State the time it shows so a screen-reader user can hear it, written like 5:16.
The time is 5:38
